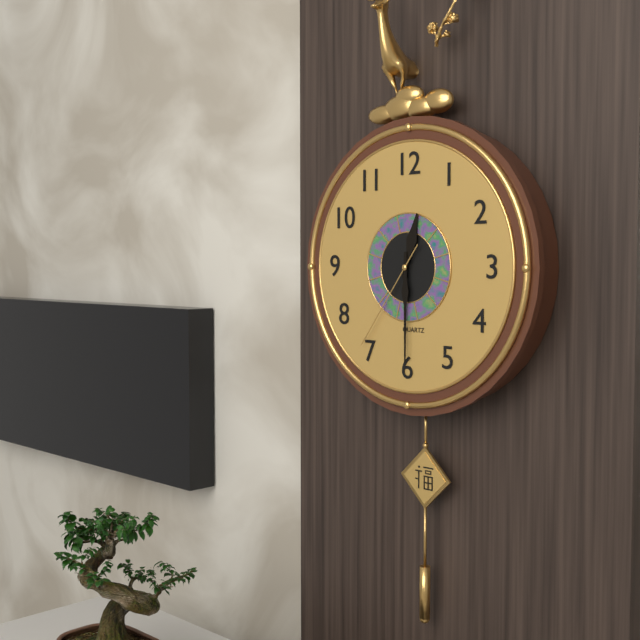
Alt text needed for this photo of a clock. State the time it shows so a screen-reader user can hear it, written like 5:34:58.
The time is 12:30:36
